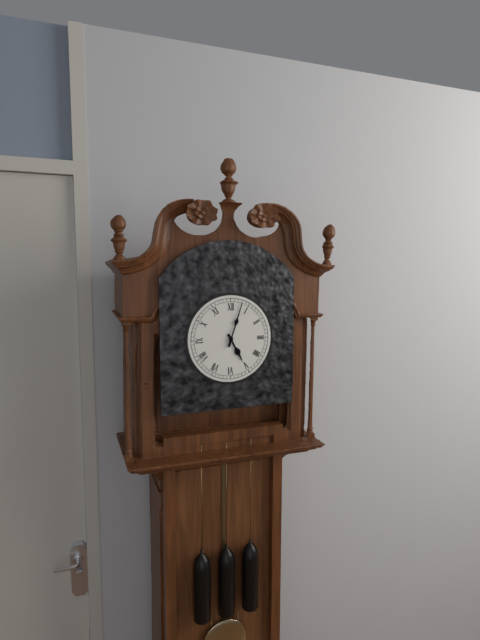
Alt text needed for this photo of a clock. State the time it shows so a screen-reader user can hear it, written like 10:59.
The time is 5:03
